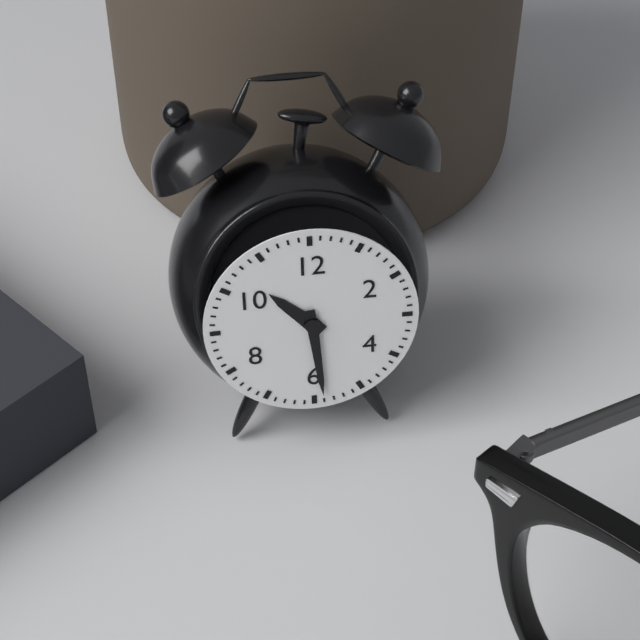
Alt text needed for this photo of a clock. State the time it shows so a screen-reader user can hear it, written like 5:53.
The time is 10:29
